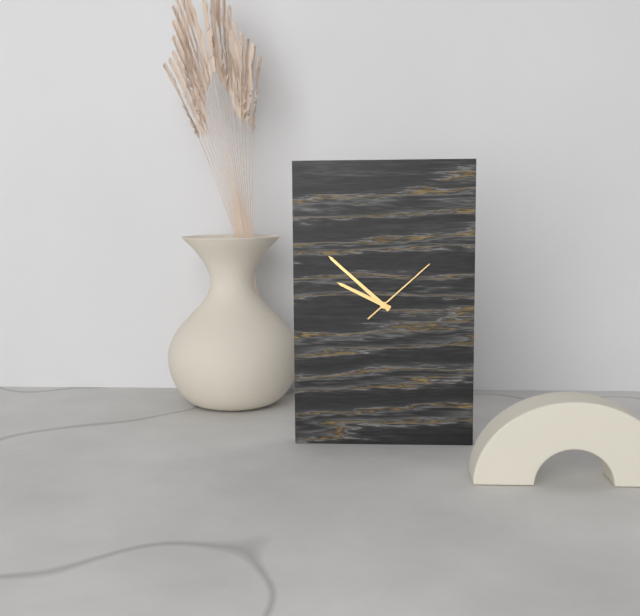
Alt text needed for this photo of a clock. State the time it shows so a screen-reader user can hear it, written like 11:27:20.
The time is 9:52:08
